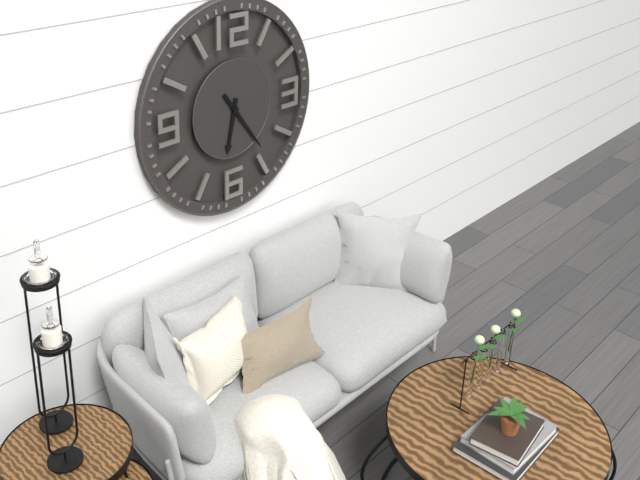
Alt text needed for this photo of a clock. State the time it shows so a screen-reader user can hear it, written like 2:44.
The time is 6:24
